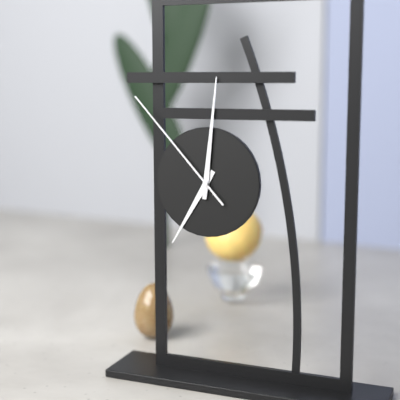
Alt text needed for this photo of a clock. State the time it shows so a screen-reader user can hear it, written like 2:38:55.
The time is 7:01:53
